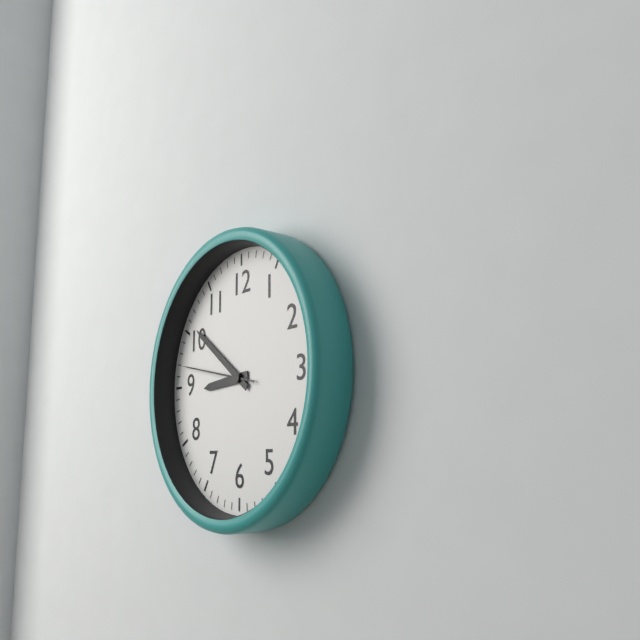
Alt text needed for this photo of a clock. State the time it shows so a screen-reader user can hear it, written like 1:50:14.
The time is 8:51:47
